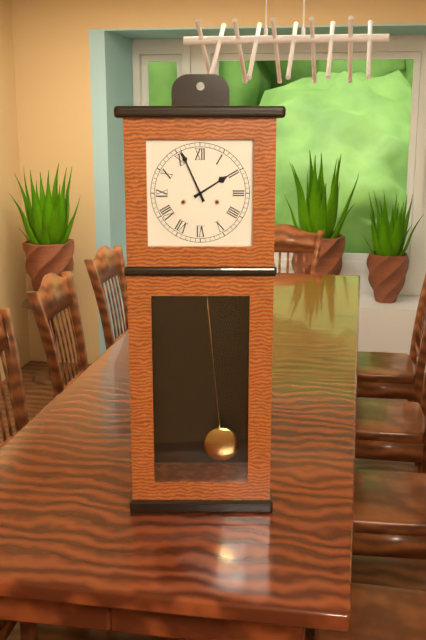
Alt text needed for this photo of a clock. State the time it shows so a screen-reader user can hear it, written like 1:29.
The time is 1:56
